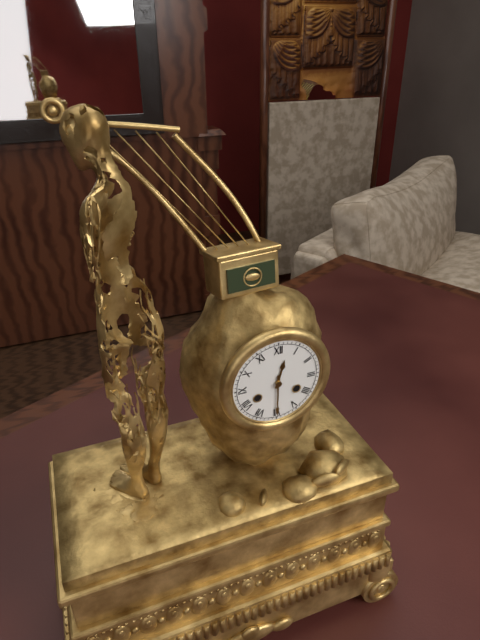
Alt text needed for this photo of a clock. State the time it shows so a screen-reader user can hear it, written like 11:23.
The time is 12:30
